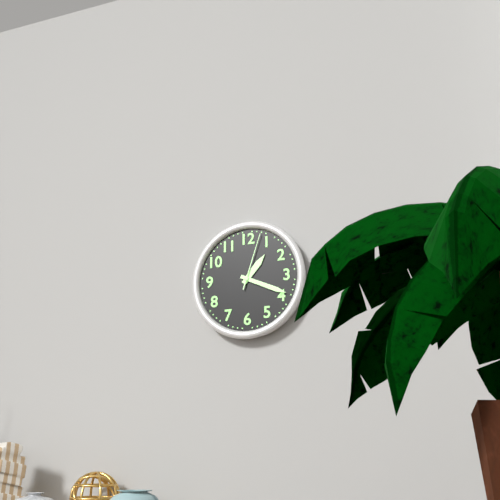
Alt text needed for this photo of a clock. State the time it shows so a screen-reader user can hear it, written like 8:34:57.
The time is 1:19:03
